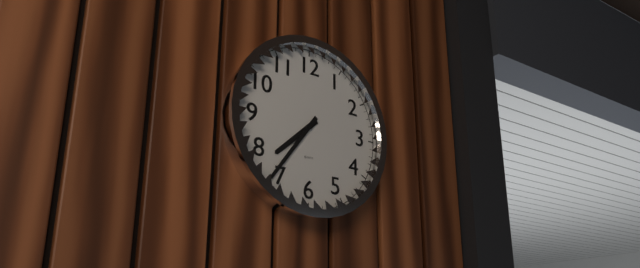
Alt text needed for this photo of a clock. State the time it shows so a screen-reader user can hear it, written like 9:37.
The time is 7:36
